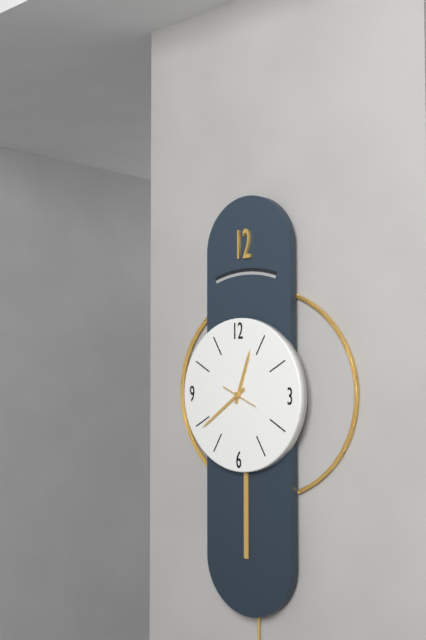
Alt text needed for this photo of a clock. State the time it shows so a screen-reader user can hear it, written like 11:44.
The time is 12:39
